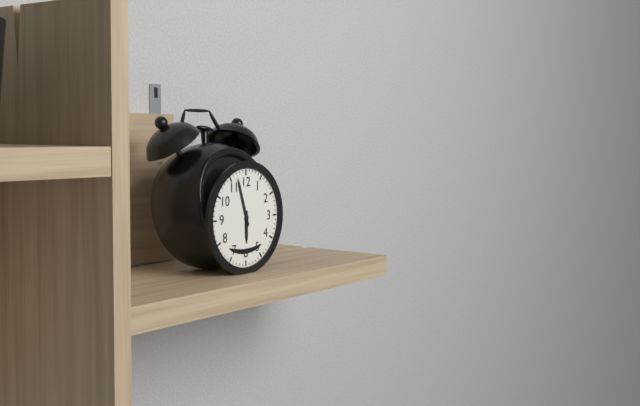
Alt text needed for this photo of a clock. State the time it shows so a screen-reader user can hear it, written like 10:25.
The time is 5:57
